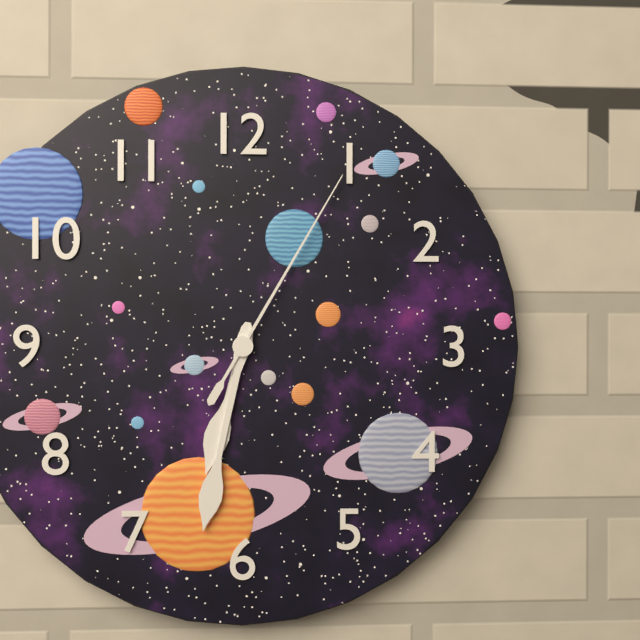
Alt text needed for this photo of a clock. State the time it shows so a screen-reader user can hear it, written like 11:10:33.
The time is 6:32:05
